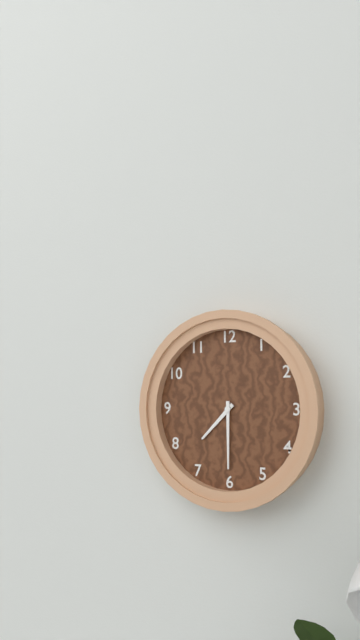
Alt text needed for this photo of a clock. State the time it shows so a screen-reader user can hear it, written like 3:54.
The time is 7:30
